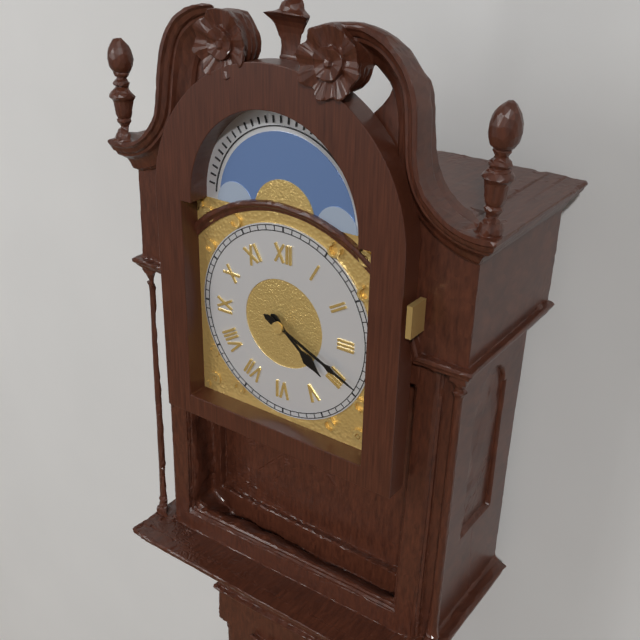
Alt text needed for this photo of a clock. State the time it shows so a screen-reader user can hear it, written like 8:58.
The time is 4:19
